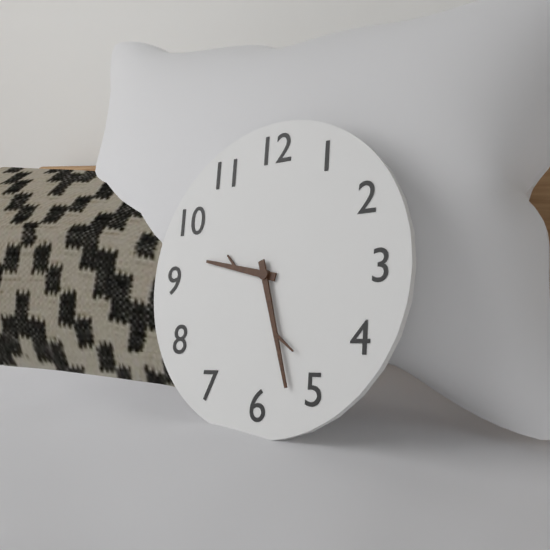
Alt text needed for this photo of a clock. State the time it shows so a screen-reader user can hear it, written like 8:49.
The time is 9:27
